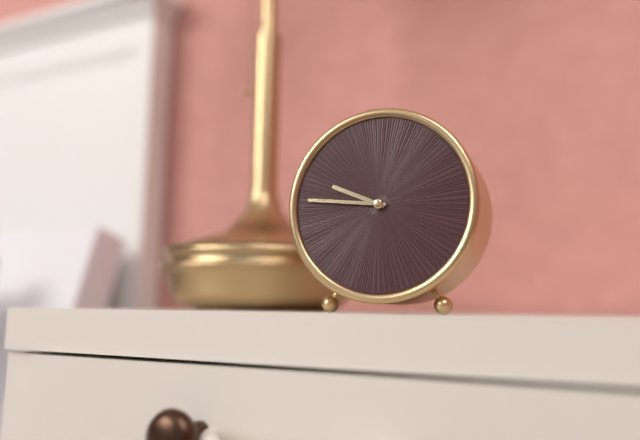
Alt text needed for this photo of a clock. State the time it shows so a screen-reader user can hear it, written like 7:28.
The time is 9:46
